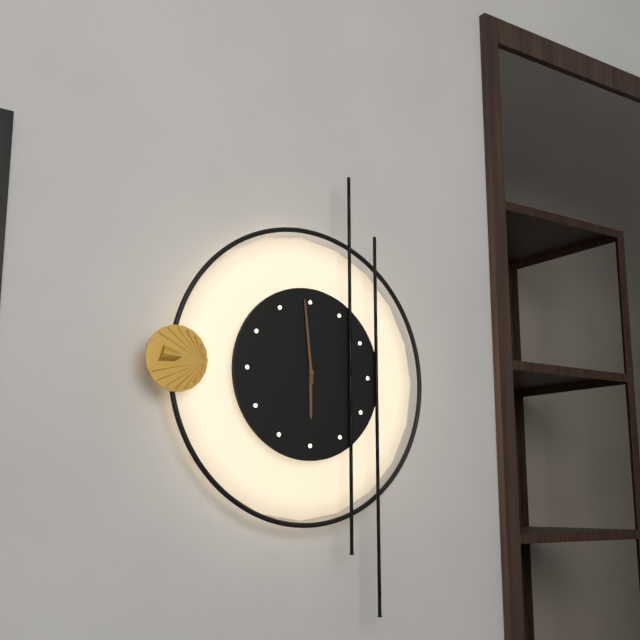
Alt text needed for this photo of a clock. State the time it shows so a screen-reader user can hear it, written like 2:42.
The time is 5:59
